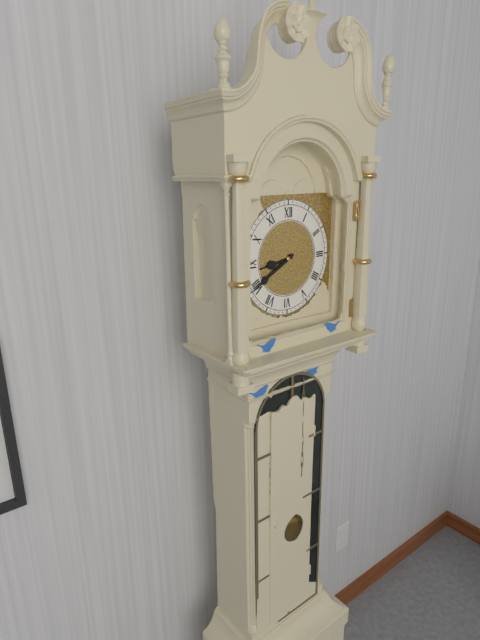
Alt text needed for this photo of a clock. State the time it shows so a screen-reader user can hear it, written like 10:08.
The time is 8:40
